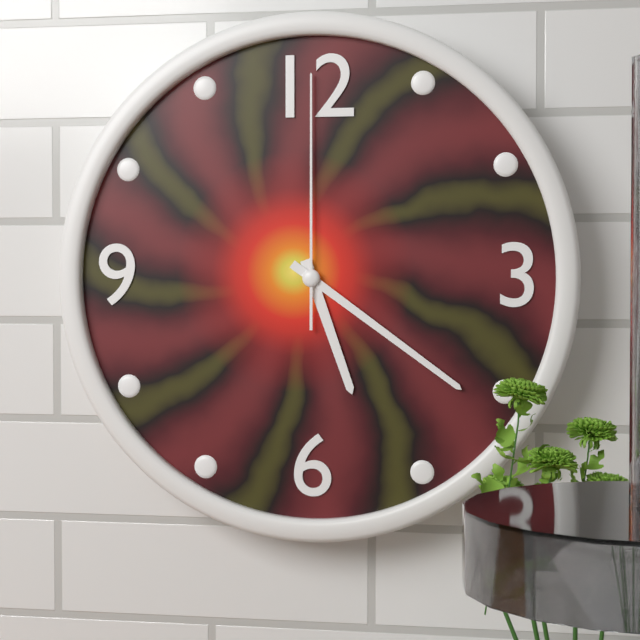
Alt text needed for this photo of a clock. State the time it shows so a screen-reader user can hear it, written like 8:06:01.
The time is 5:21:00
